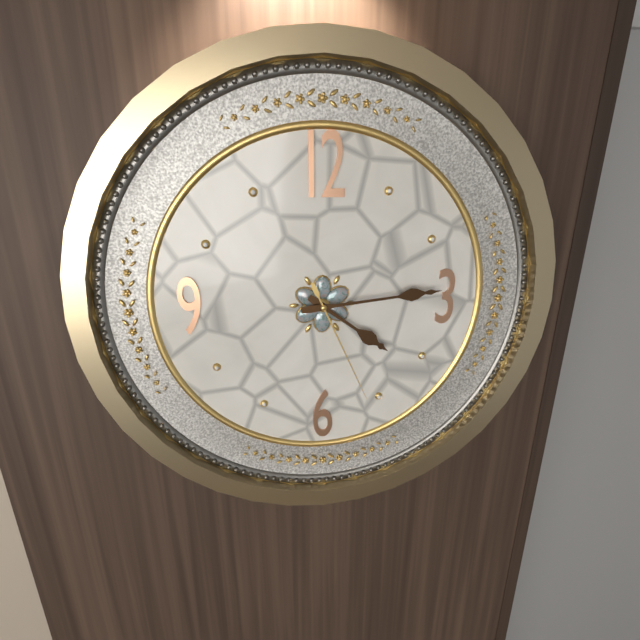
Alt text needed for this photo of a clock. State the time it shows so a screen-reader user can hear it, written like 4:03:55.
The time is 4:14:26
